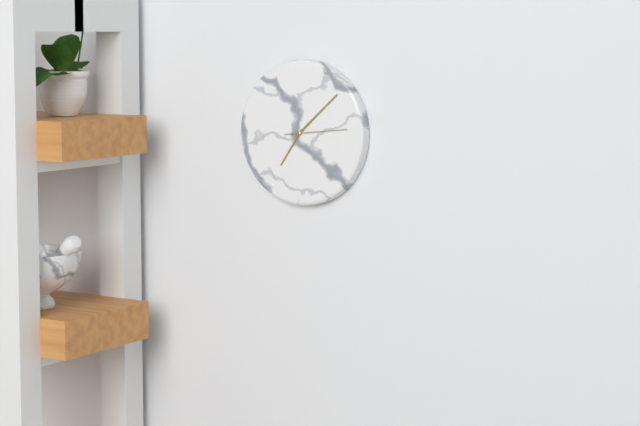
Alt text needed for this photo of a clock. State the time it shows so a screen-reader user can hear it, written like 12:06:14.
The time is 7:08:14
